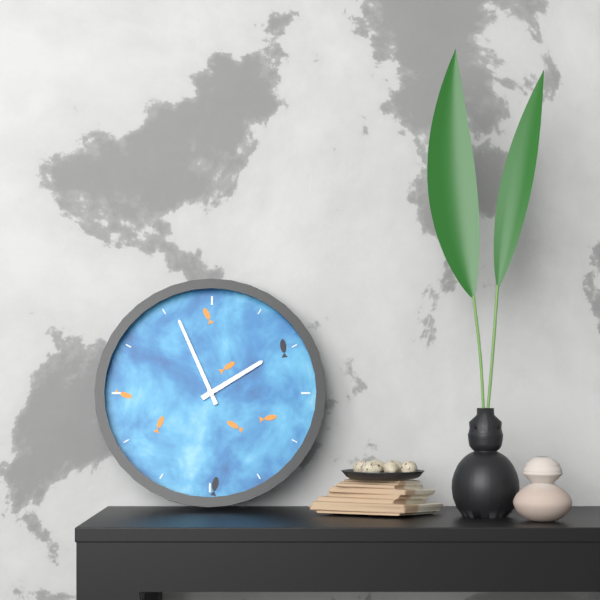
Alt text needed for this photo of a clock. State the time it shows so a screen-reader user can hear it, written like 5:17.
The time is 1:56
